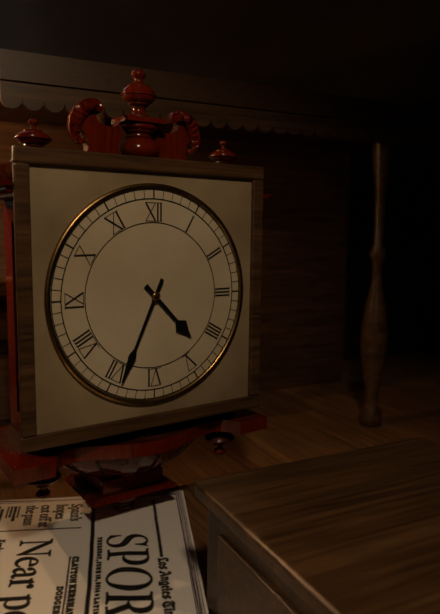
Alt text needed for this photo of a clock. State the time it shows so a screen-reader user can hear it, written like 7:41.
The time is 4:34
